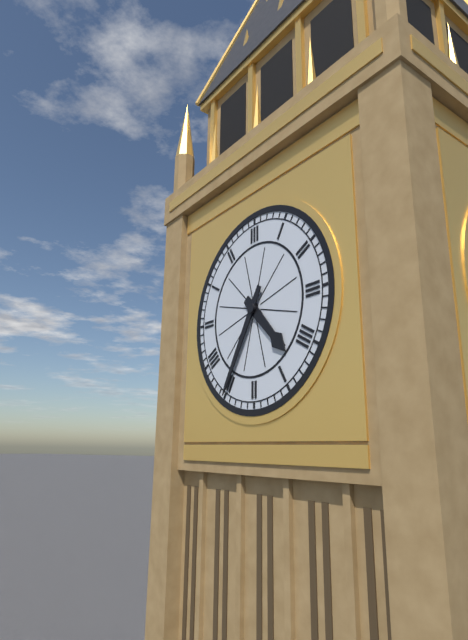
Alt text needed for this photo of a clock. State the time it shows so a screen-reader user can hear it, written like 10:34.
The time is 4:35
